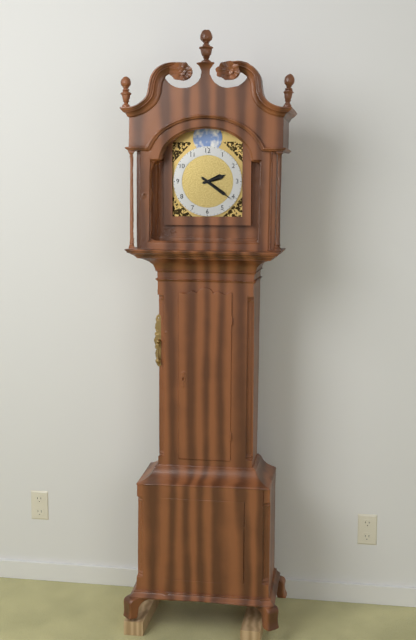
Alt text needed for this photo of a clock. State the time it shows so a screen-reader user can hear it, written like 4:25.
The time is 2:21
